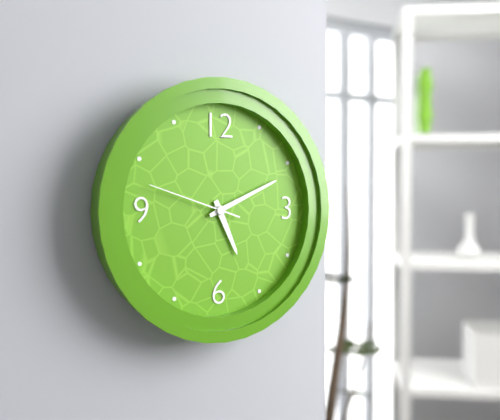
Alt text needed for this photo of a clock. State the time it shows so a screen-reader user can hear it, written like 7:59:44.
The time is 5:11:48
